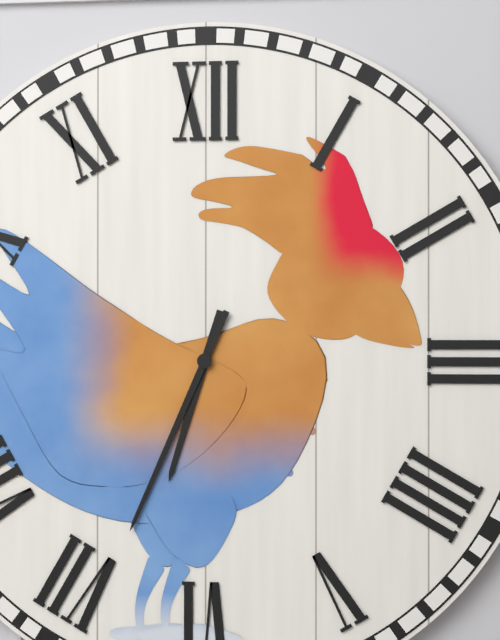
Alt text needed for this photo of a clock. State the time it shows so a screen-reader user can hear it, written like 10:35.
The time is 6:34
